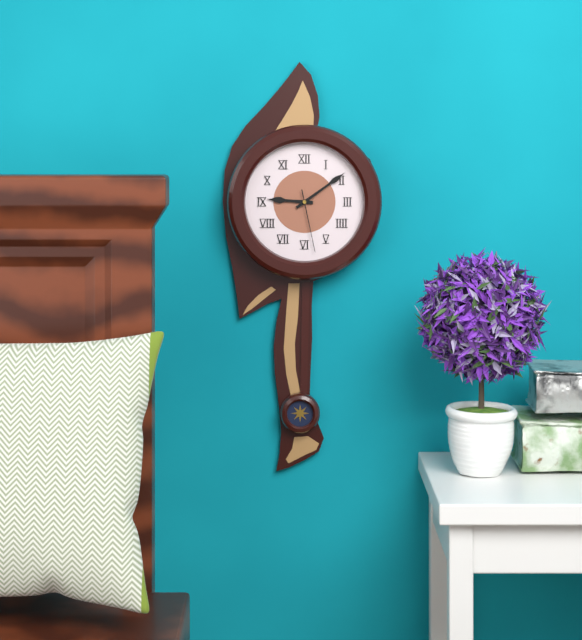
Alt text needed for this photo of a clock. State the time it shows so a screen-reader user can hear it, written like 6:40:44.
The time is 9:09:28
